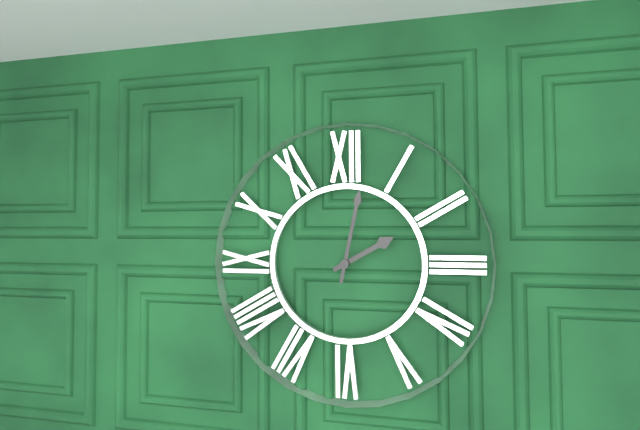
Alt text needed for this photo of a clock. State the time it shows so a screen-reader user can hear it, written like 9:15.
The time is 2:02
